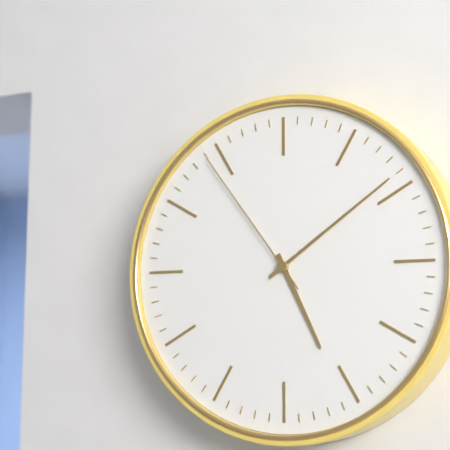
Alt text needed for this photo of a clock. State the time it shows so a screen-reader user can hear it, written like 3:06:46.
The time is 5:09:54
